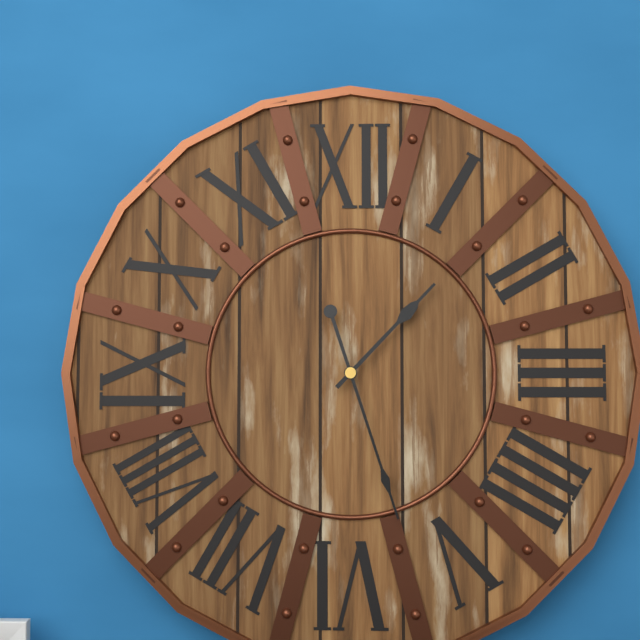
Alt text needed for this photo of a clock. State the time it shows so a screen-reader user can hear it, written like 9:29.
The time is 1:27
